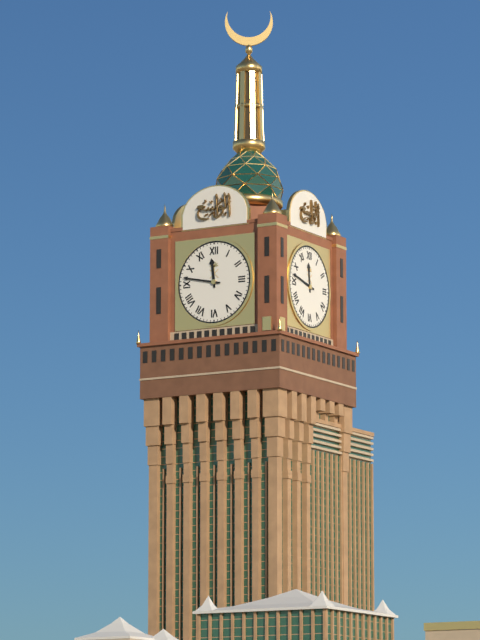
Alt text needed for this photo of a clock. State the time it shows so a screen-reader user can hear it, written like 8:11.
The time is 11:47
